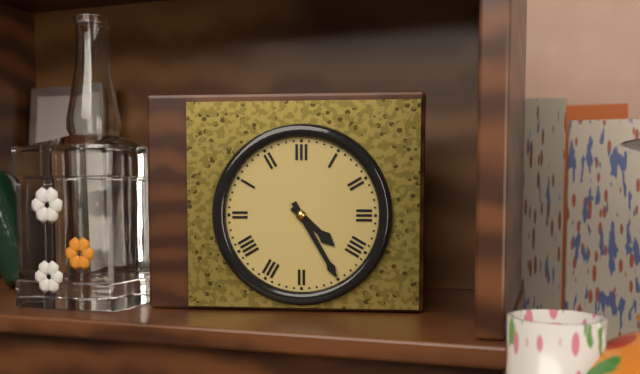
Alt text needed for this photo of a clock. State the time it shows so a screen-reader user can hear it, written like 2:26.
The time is 4:25
